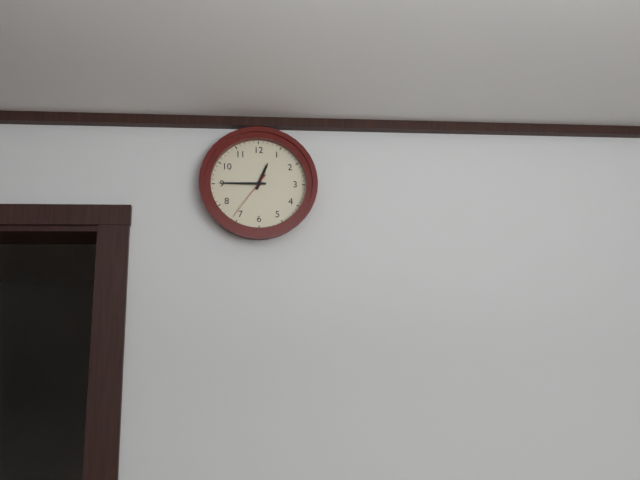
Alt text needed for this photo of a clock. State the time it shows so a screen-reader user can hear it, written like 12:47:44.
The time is 12:45:36
